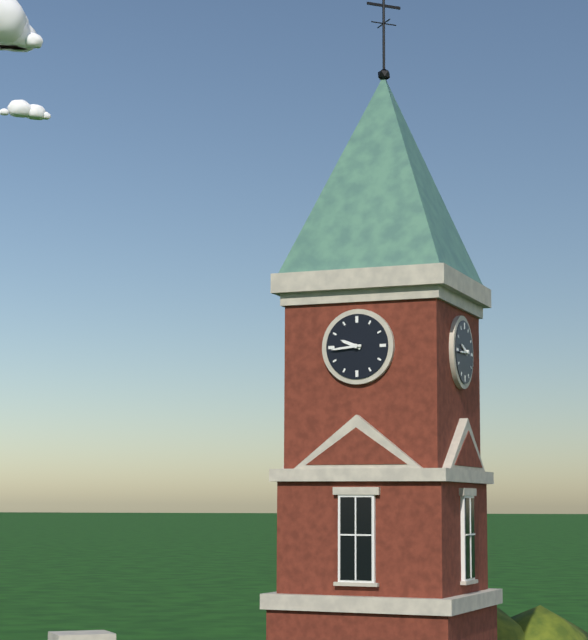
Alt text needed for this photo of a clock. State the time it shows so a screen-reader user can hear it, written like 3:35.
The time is 9:44
